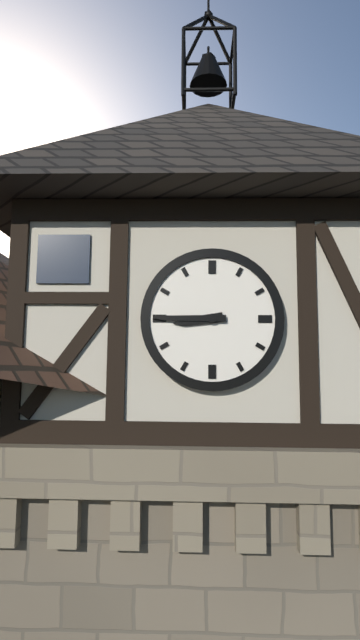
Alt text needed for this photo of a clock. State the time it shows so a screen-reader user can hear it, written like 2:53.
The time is 8:45
